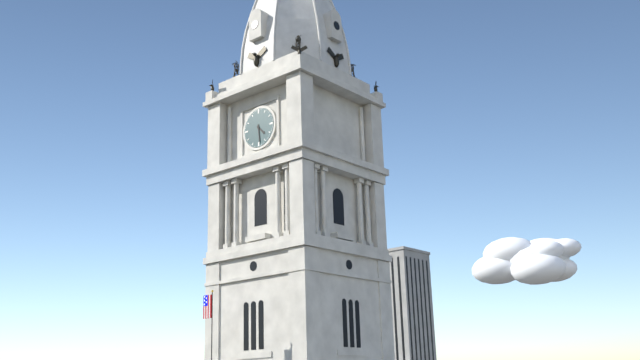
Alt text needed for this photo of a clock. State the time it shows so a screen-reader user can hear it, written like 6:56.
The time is 4:29
